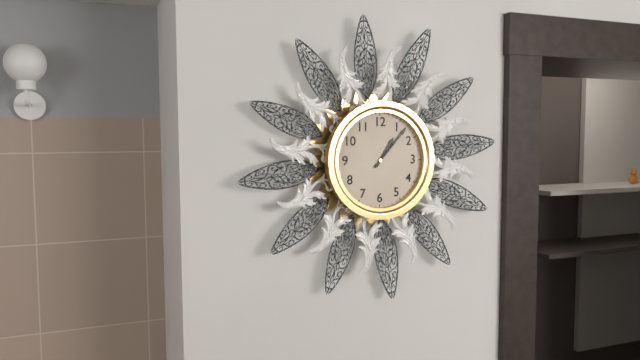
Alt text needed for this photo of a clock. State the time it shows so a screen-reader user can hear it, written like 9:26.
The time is 1:07
